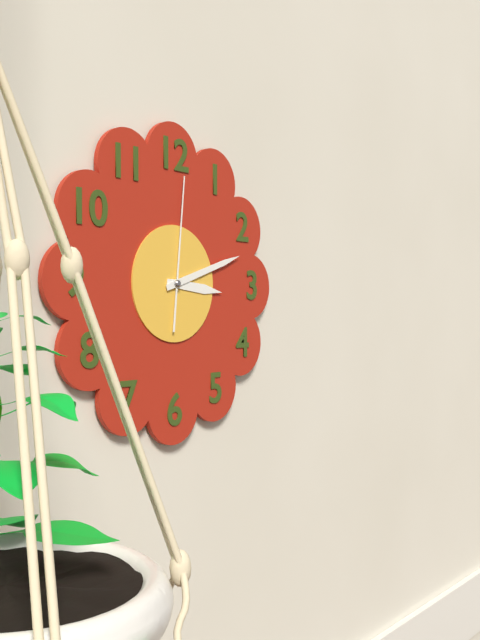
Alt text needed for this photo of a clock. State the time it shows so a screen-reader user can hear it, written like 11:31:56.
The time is 3:12:01
